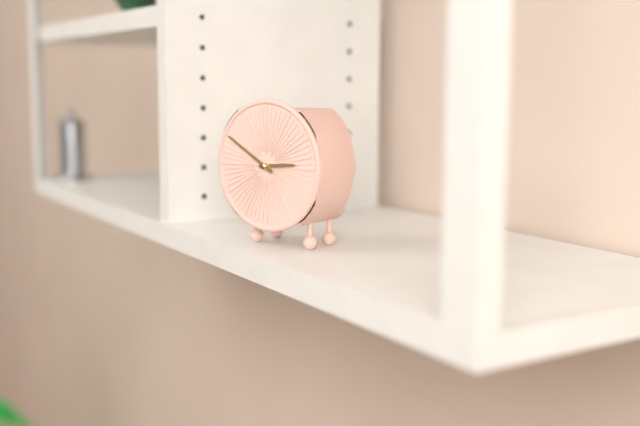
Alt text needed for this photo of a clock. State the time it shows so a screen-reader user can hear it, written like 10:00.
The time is 2:50
